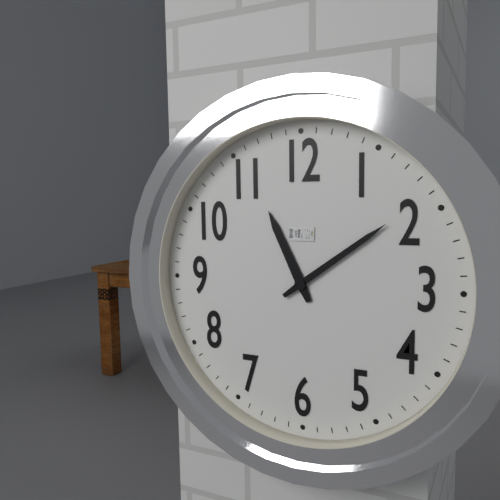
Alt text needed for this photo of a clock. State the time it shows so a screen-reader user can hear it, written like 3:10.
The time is 11:09
